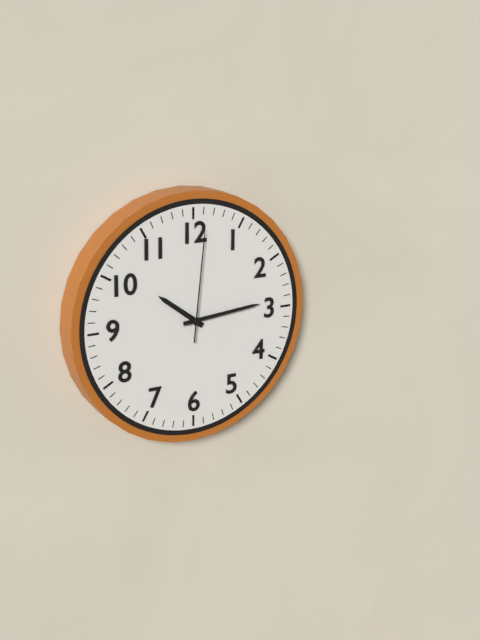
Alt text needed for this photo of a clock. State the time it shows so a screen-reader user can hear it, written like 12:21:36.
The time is 10:14:01
